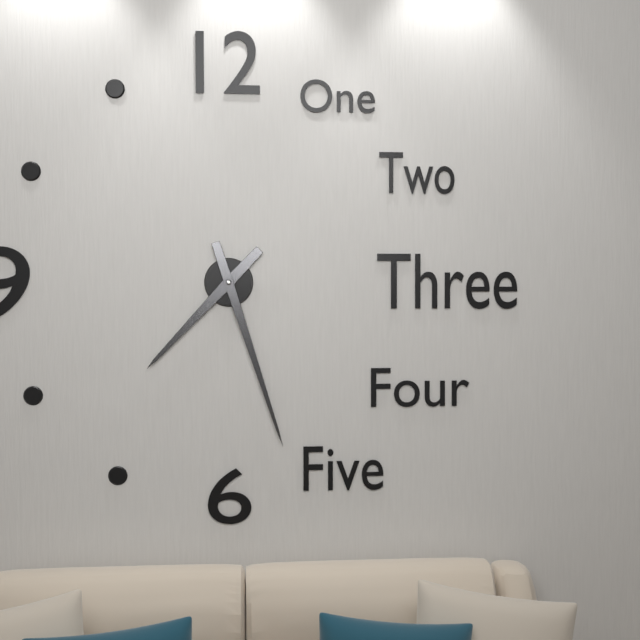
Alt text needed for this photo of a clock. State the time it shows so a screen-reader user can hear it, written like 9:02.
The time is 7:27
